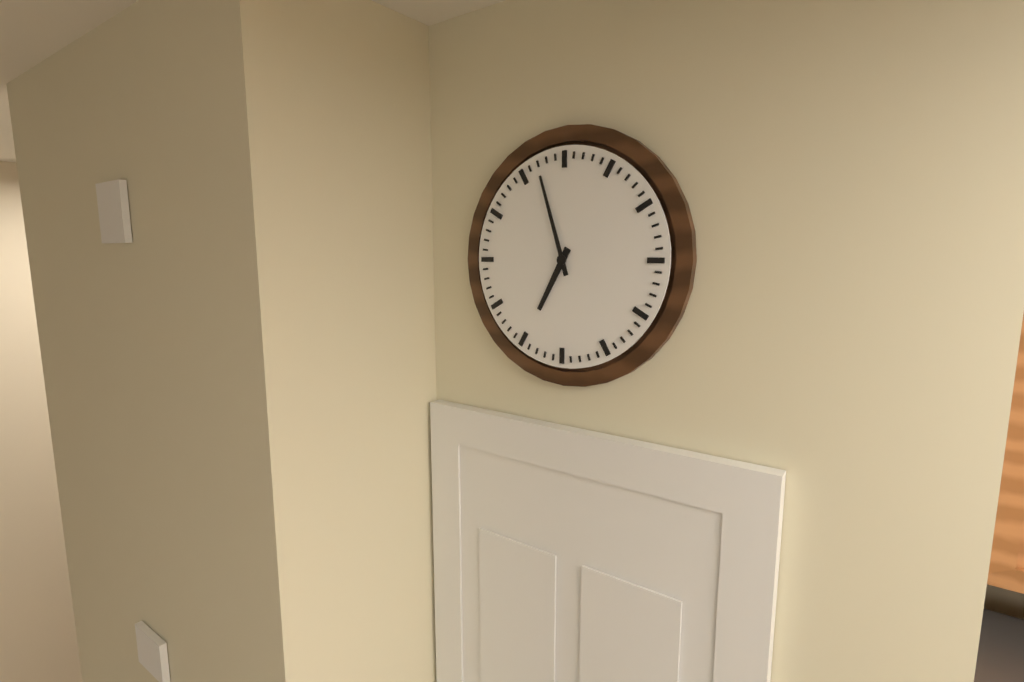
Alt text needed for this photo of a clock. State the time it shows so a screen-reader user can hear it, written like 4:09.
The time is 6:57
